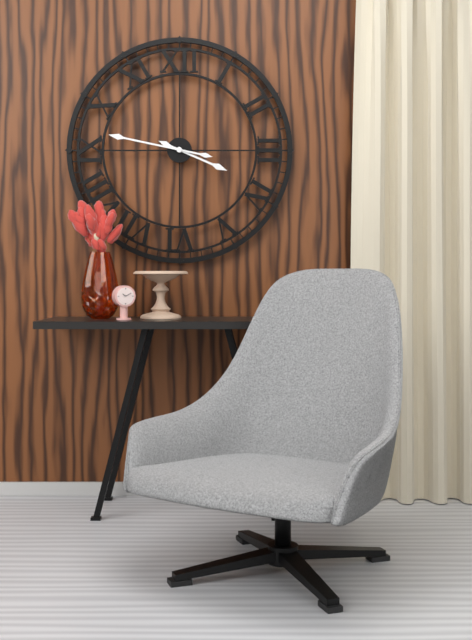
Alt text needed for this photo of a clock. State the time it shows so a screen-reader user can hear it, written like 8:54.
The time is 3:47
